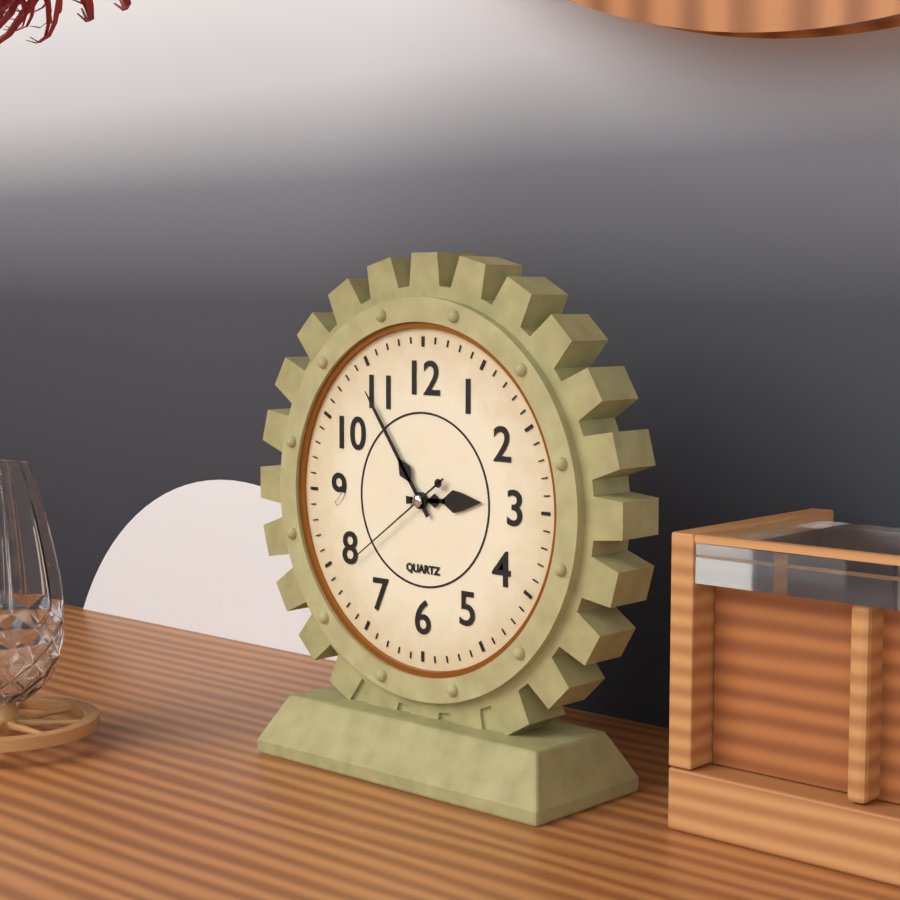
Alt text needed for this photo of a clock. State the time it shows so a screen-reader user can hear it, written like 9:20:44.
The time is 2:54:39
